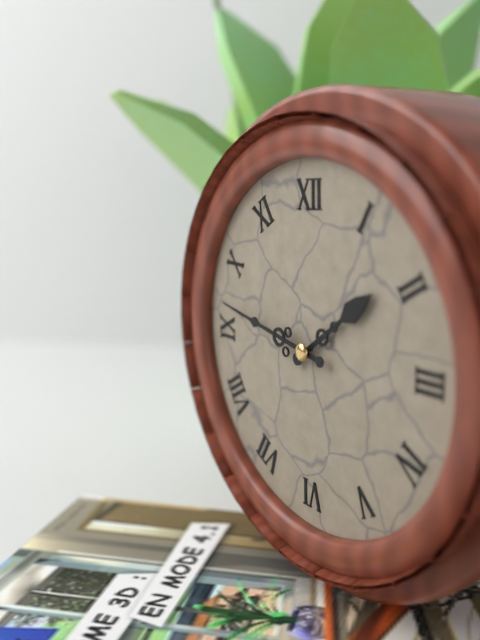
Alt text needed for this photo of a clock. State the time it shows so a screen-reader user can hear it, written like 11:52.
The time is 1:47
